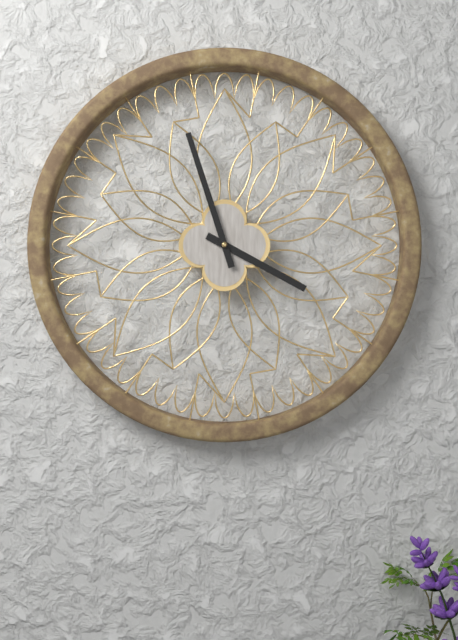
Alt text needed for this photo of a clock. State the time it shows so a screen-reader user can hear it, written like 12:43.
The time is 3:57
